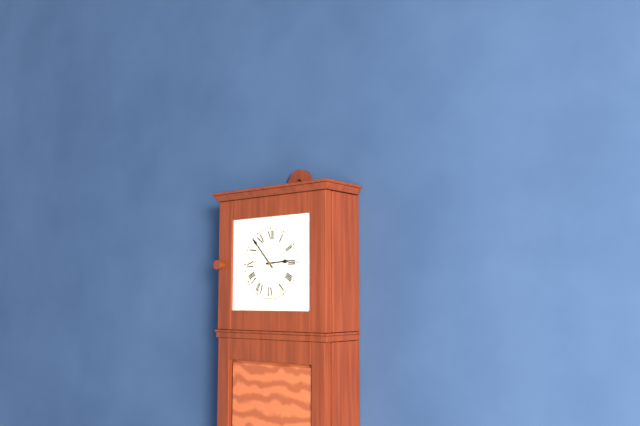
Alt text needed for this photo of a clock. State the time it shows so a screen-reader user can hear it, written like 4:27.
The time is 2:53
